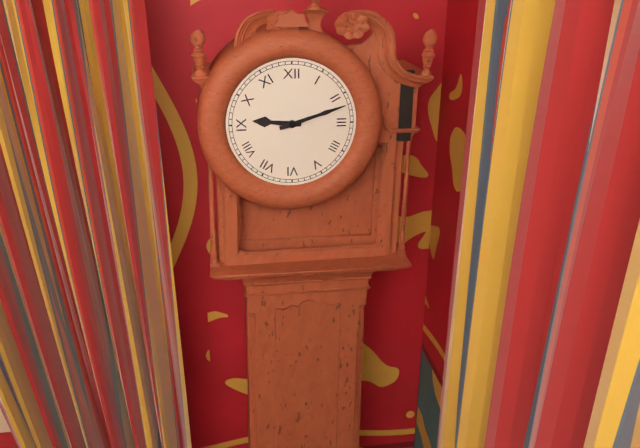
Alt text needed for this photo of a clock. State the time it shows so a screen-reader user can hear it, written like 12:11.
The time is 9:12
